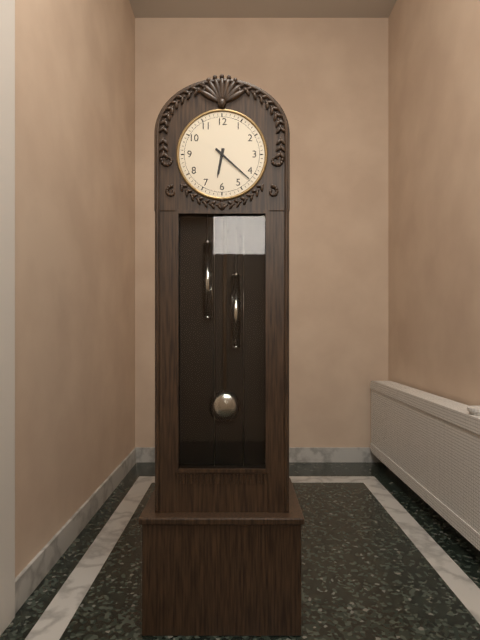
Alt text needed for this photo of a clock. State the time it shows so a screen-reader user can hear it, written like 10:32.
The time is 6:22
